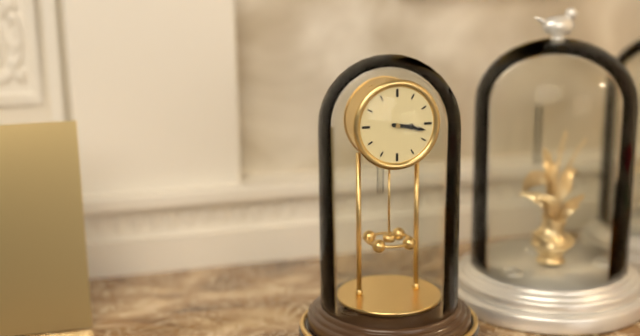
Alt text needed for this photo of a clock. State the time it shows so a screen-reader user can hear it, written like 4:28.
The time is 3:17
